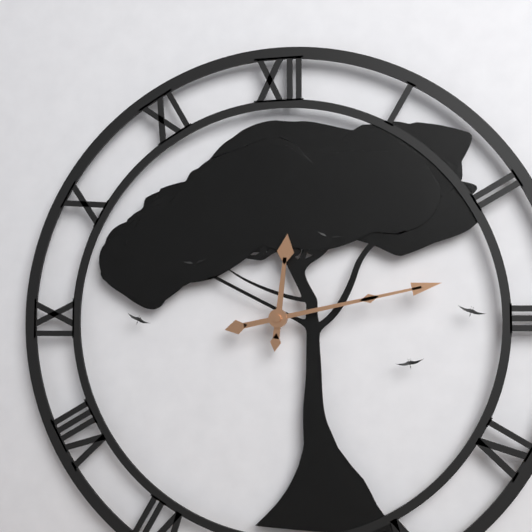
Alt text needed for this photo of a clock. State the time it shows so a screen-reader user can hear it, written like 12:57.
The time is 12:13
